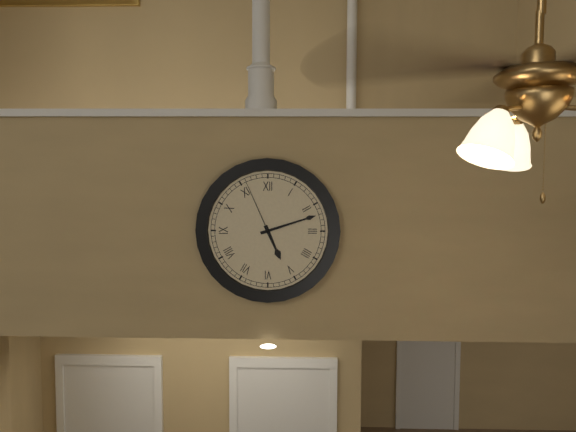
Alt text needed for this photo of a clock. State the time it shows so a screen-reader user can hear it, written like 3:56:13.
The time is 5:12:56
